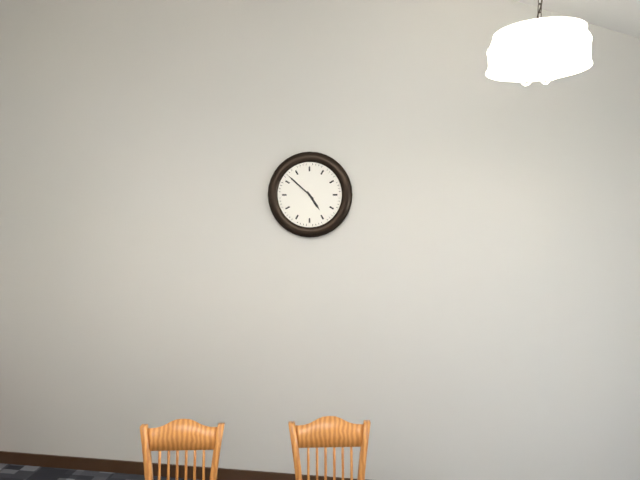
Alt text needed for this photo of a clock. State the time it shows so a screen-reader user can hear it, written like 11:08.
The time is 4:52
